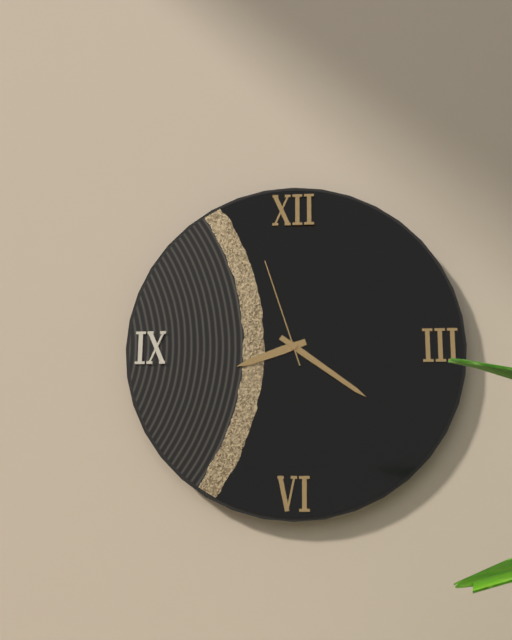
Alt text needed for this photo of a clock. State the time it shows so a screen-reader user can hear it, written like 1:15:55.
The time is 8:21:57
